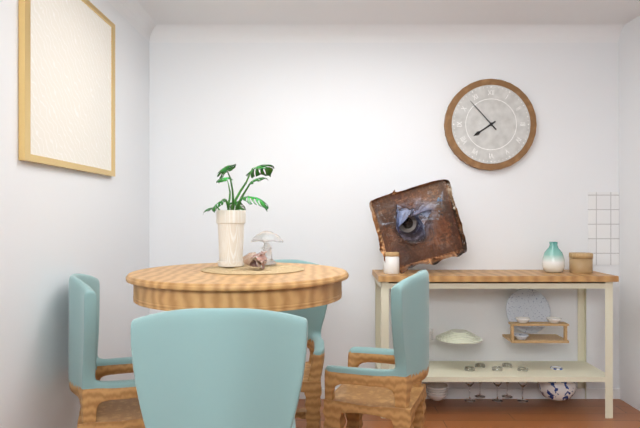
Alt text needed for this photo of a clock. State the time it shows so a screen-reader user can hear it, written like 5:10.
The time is 7:53
